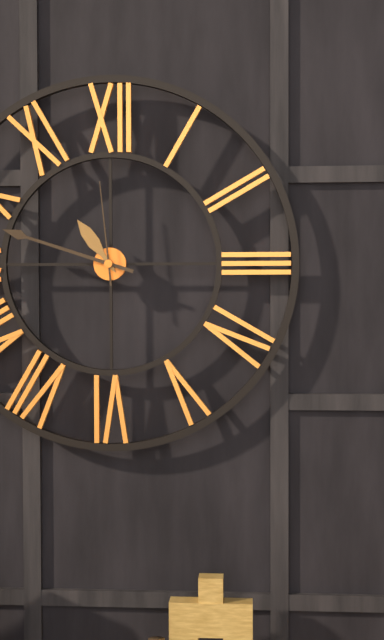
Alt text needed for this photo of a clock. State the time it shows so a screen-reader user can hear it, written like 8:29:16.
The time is 10:48:59
